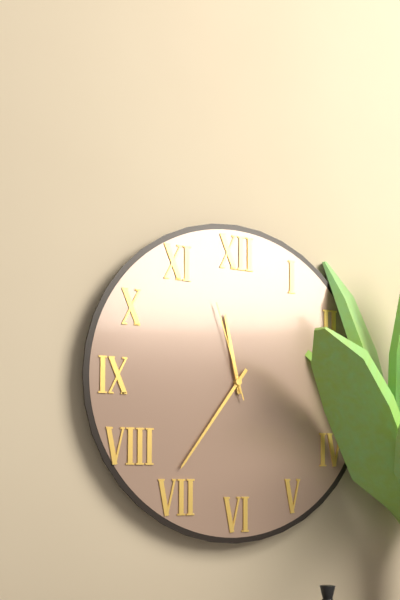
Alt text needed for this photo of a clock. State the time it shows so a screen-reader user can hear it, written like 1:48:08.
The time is 11:36:57
